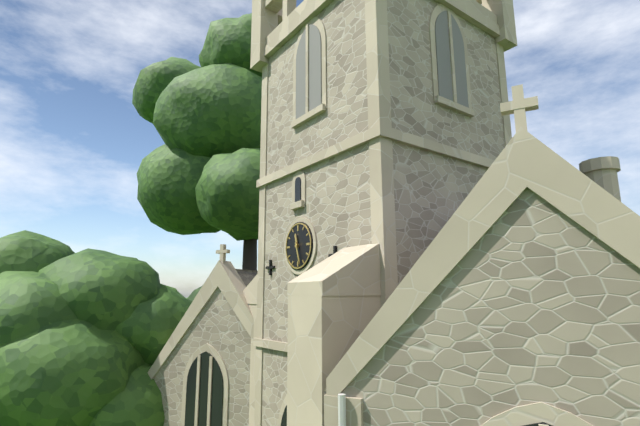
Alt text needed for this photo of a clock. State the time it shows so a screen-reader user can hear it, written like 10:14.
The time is 11:27
